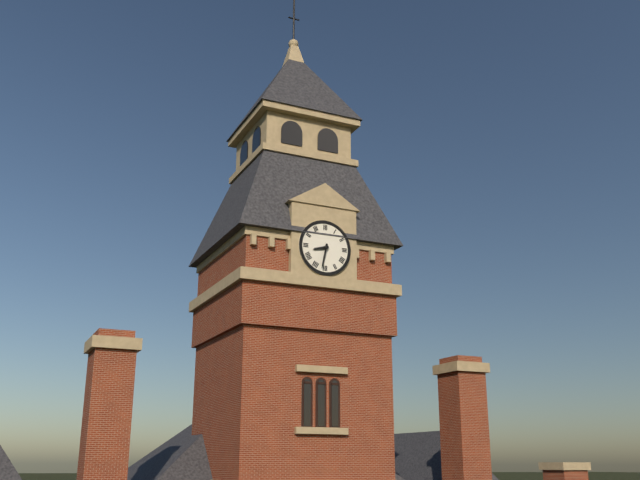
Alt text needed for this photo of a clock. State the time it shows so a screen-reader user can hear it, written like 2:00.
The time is 8:32
